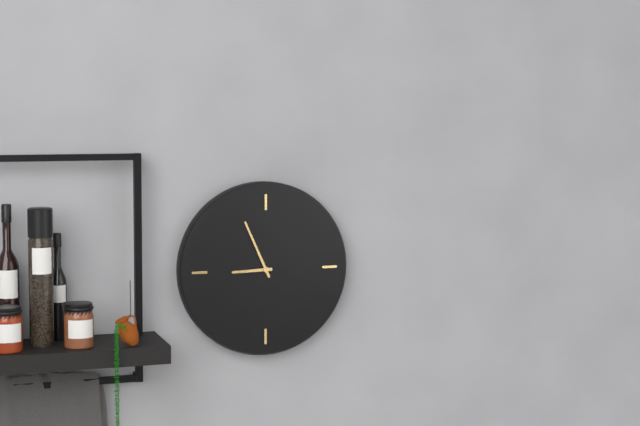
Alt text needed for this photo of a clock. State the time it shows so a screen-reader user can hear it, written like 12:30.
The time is 8:56
